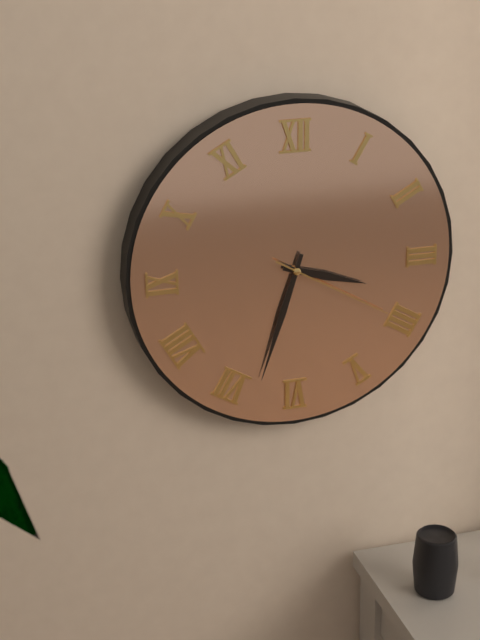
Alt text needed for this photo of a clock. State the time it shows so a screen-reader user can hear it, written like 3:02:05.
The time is 3:33:20
